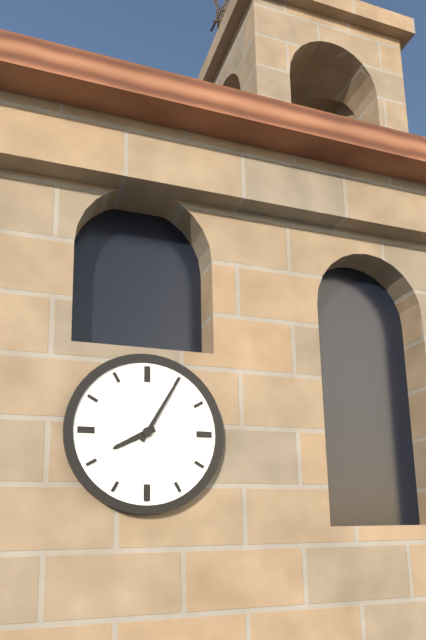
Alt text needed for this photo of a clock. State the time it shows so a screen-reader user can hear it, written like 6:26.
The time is 8:05
